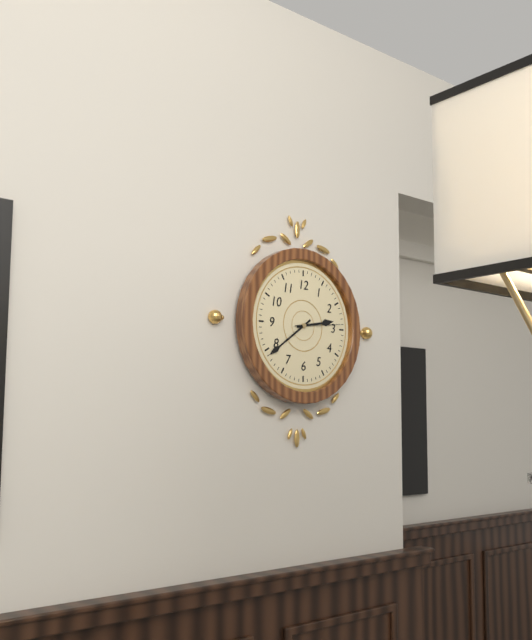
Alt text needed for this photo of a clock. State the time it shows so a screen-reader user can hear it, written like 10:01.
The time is 2:39
